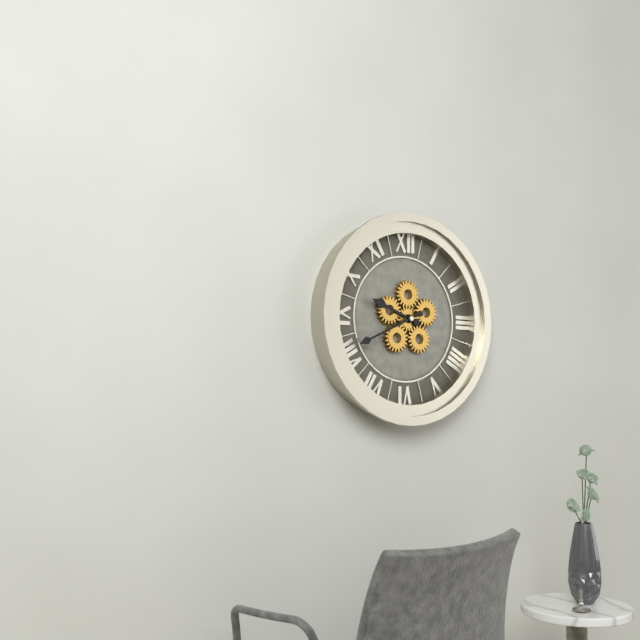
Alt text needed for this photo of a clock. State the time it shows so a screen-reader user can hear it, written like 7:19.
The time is 9:41
